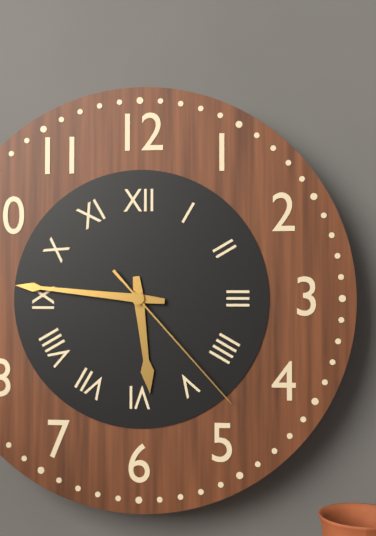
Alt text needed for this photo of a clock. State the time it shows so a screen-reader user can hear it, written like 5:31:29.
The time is 5:46:23
